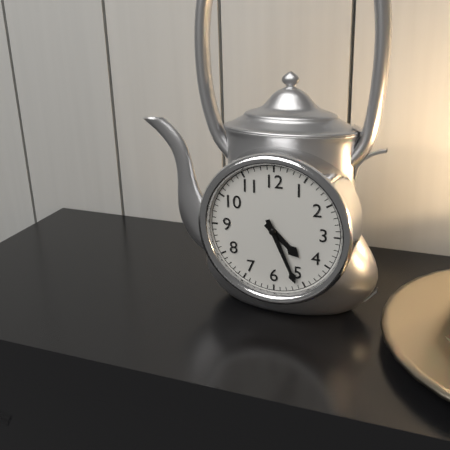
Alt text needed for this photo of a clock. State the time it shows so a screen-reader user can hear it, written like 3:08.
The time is 4:26
